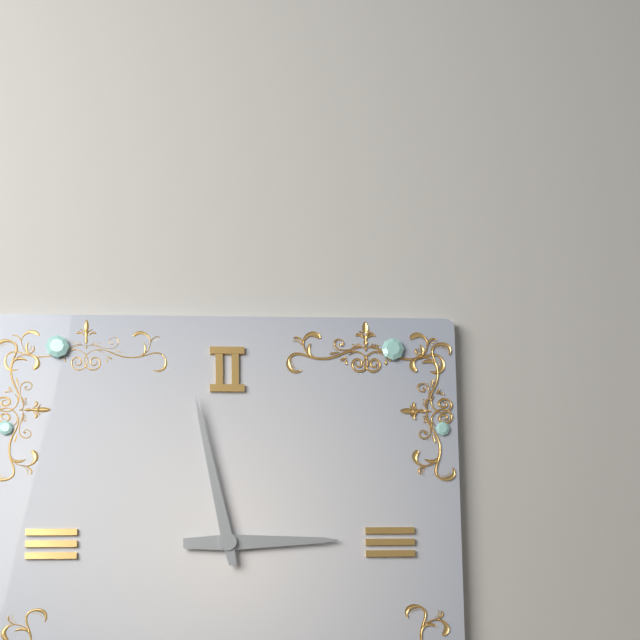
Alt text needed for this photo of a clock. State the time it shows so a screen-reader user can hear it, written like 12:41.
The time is 2:58
